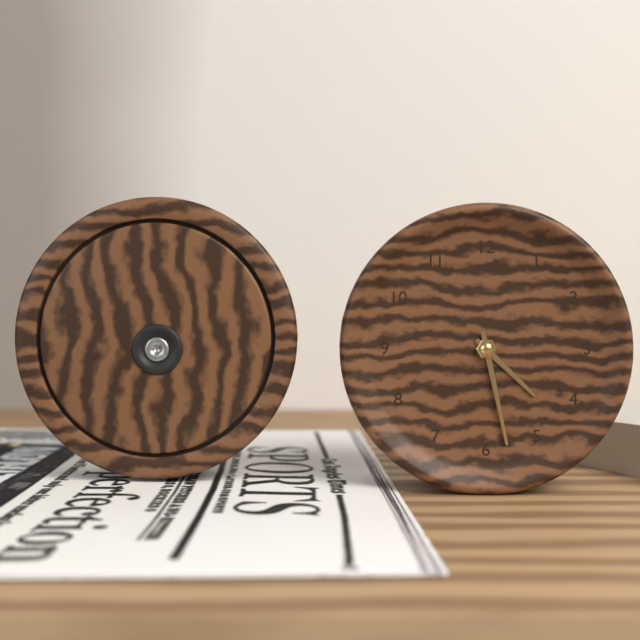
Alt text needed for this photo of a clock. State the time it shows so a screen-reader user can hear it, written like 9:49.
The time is 4:28
